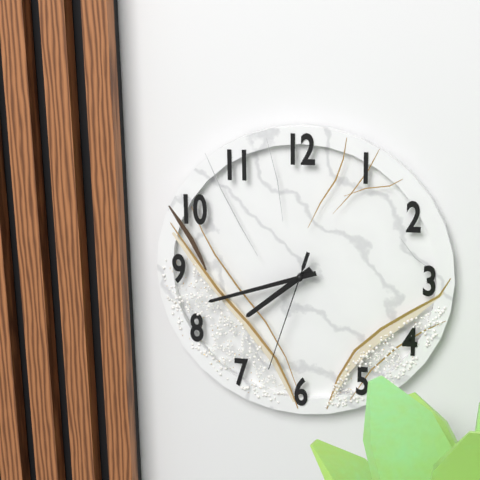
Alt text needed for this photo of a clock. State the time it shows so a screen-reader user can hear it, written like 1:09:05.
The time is 7:42:33
